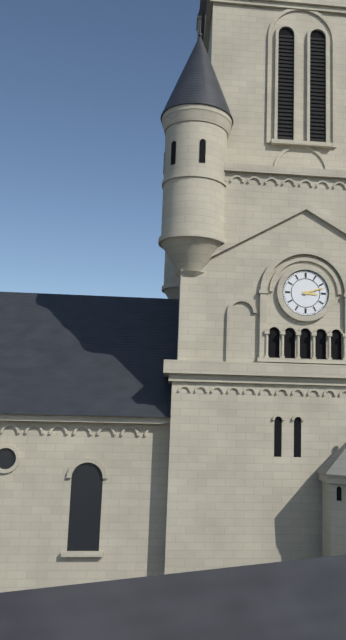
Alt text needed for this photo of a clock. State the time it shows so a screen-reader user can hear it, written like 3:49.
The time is 3:12
